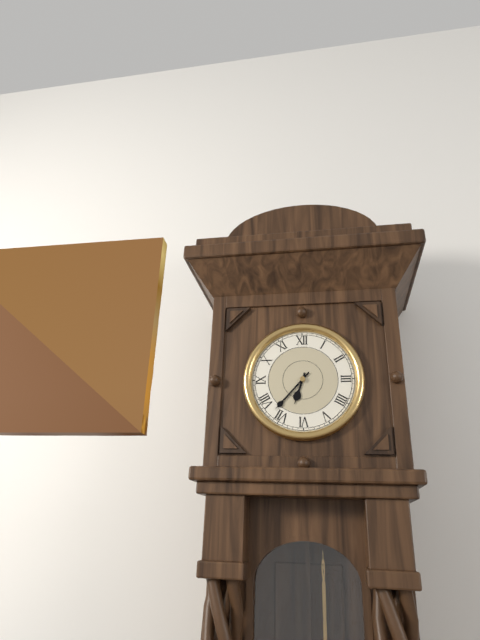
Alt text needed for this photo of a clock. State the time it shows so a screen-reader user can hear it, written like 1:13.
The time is 6:37
